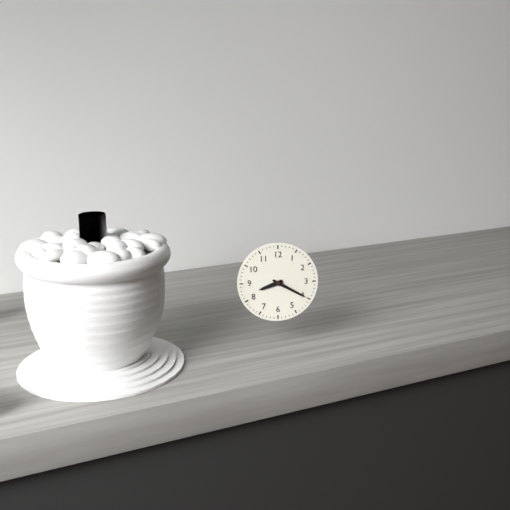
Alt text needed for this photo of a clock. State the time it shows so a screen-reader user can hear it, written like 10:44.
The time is 8:20
